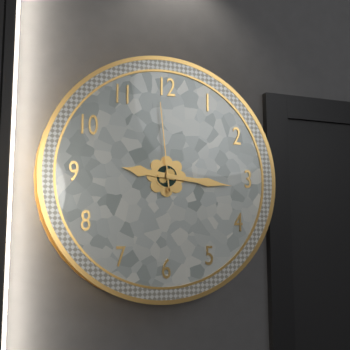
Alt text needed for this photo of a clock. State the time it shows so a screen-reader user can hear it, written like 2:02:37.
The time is 9:16:59
